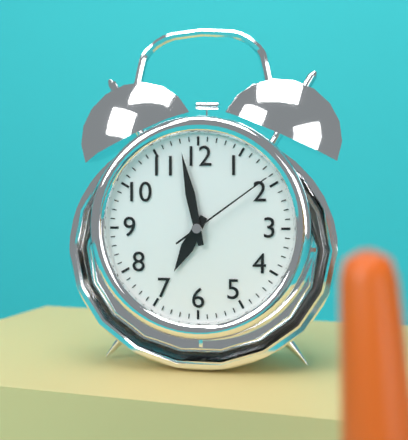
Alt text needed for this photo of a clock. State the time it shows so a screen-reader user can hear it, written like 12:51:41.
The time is 6:58:09
